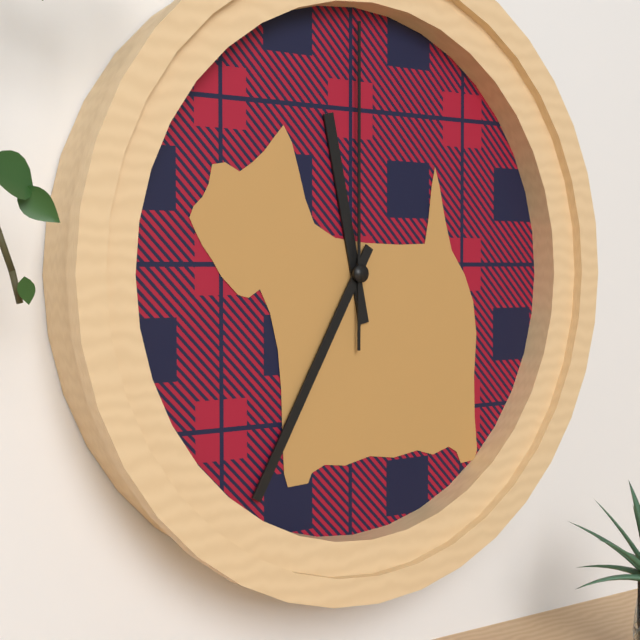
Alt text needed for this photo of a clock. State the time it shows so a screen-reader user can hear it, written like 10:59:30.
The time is 11:35:00
